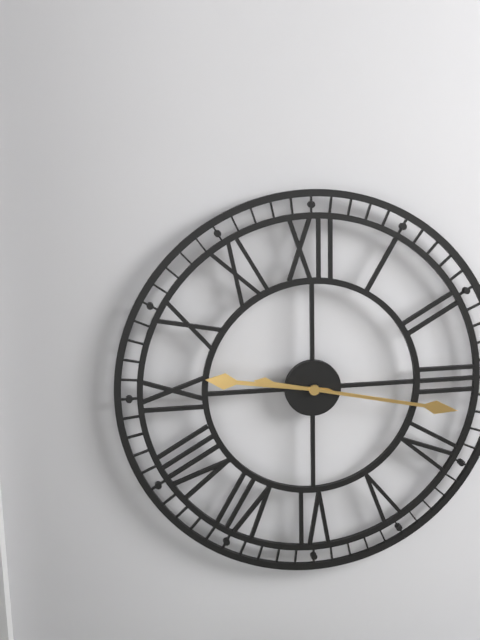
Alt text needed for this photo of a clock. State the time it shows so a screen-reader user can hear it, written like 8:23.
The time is 9:17
